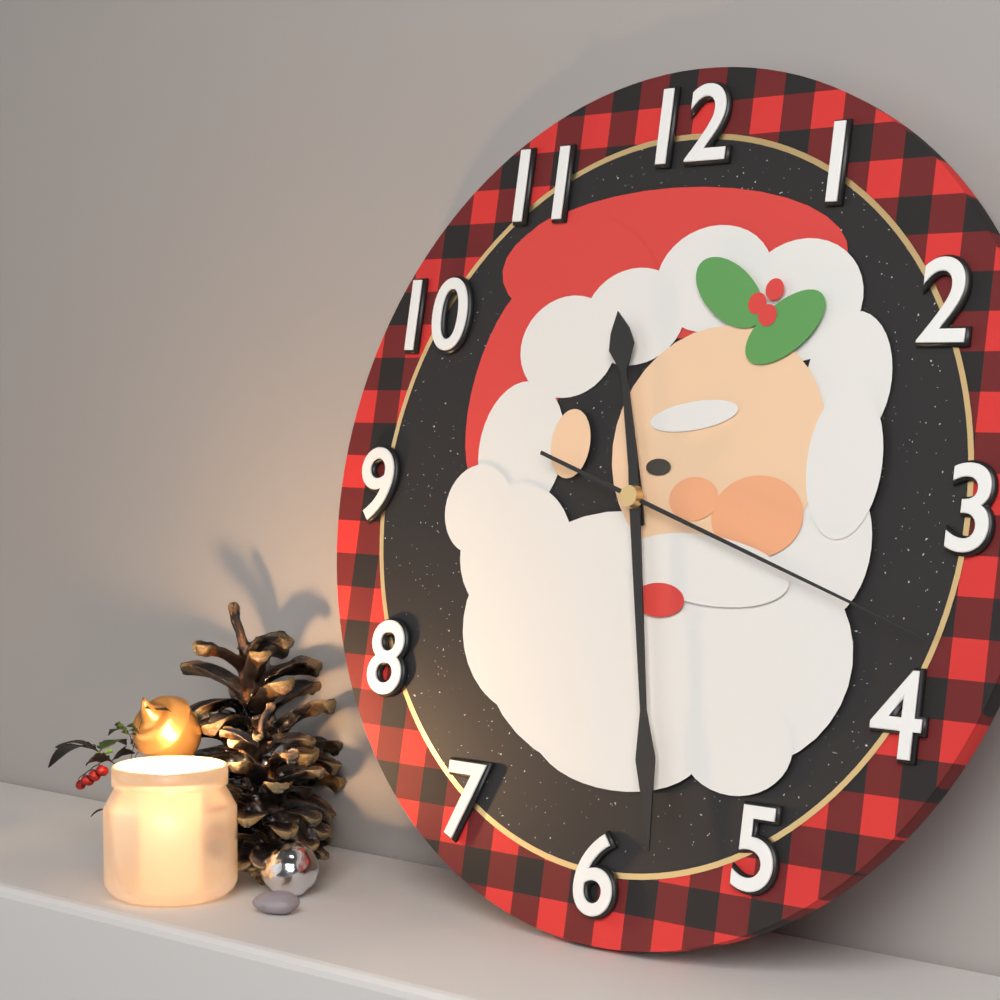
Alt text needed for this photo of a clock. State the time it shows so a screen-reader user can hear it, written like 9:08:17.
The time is 11:28:18
